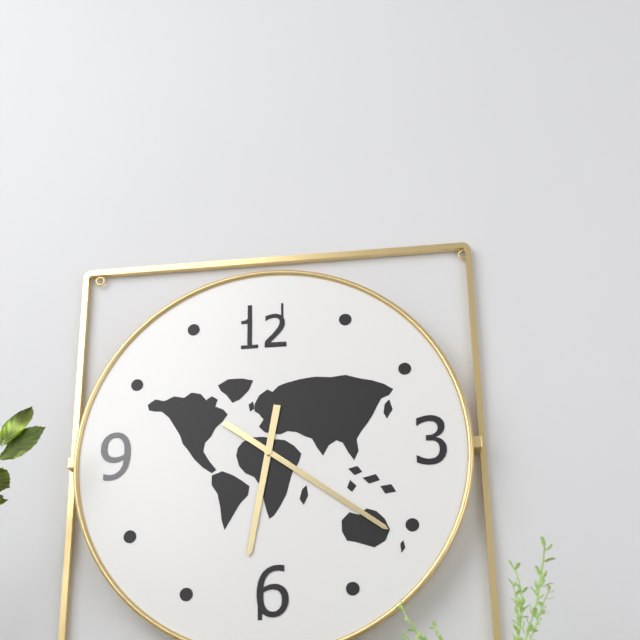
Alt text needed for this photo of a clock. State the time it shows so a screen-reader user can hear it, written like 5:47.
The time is 6:21
